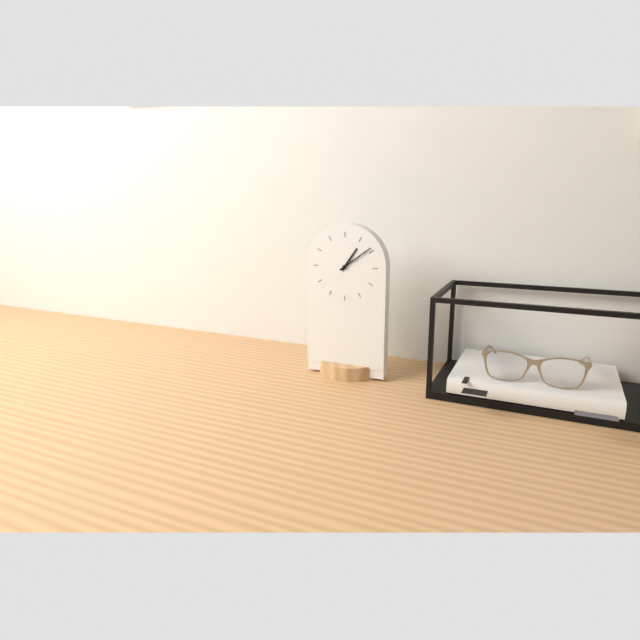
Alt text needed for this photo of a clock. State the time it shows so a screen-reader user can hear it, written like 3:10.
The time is 1:09
